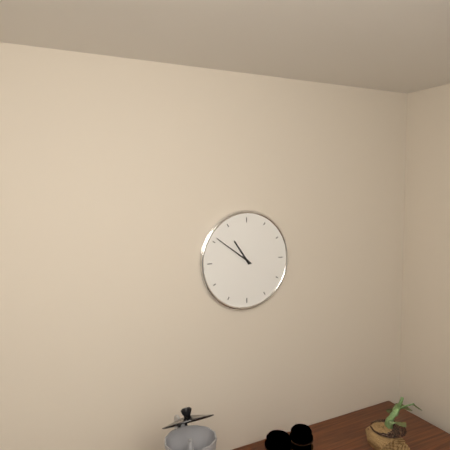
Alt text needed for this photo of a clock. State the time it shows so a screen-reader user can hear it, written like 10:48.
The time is 10:51
